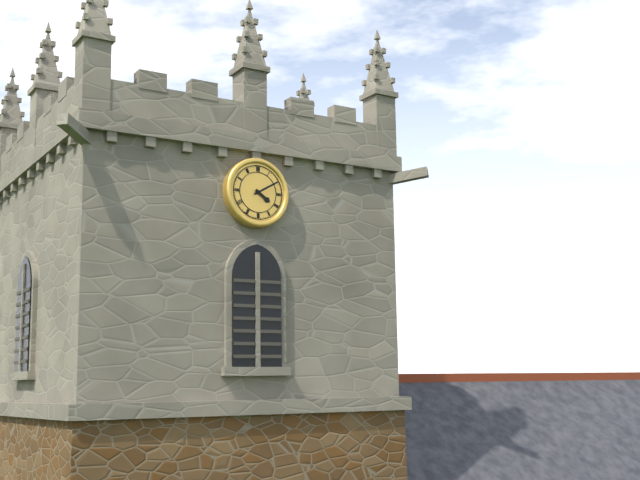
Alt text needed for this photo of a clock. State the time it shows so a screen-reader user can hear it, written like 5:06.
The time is 4:10
